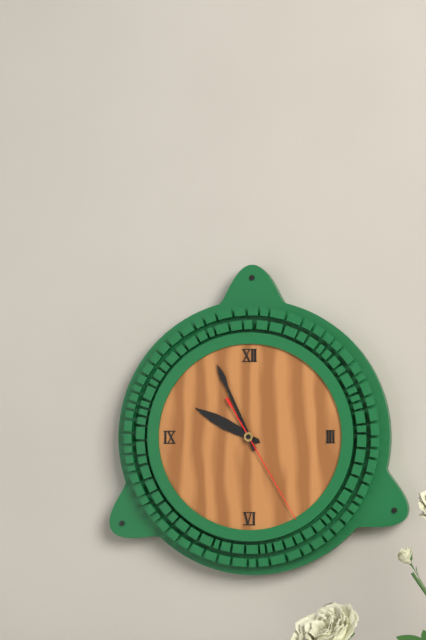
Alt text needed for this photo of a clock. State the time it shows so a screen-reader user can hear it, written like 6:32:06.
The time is 9:56:25
